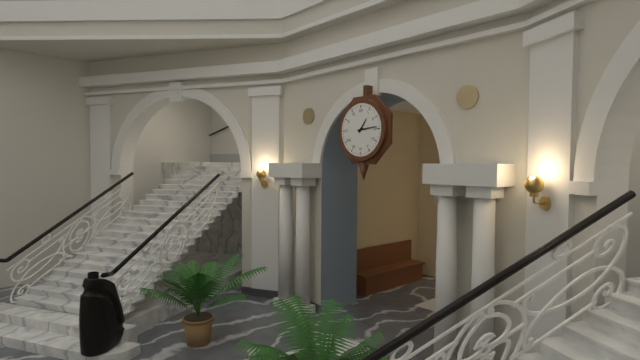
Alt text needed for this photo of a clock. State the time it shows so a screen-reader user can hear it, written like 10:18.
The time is 1:14
